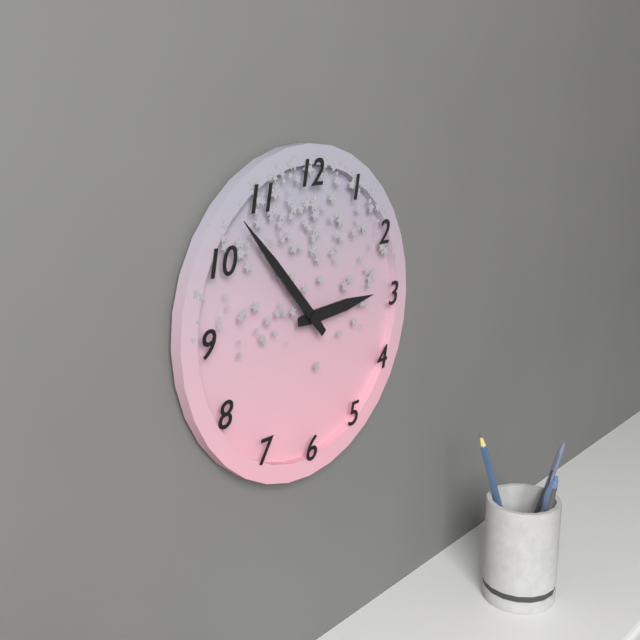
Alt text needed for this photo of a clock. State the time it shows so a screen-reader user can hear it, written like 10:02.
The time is 2:53
